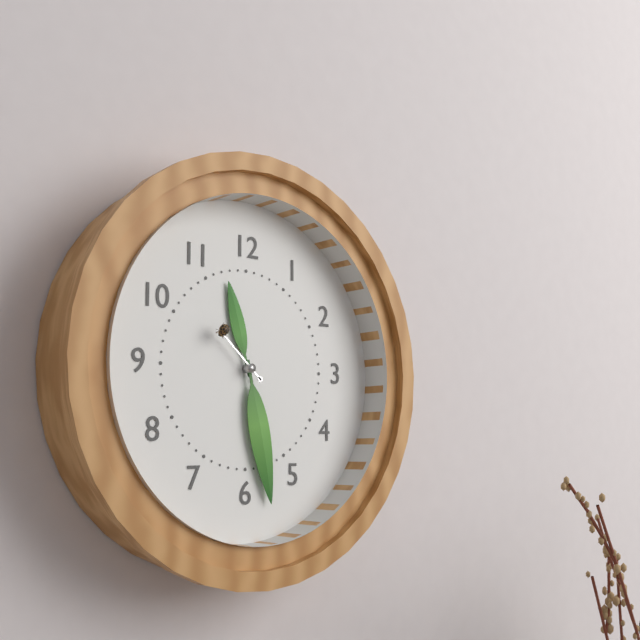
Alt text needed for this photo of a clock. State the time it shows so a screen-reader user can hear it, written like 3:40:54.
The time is 11:28:52
